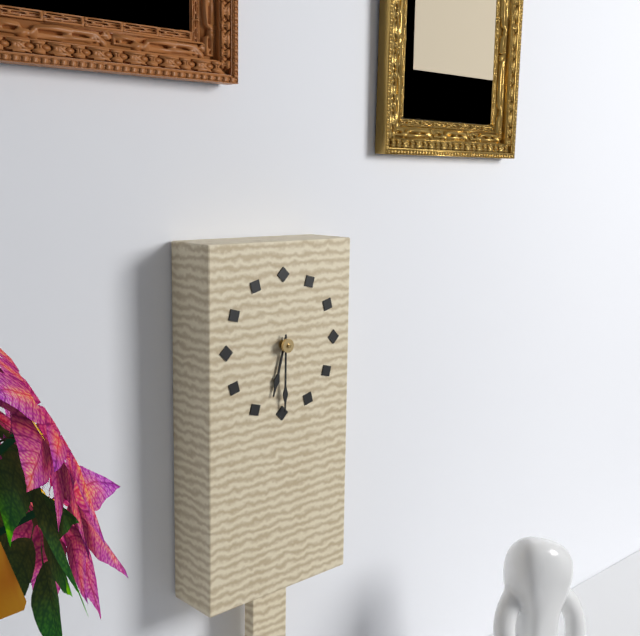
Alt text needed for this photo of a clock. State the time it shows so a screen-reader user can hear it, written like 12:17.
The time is 6:30
